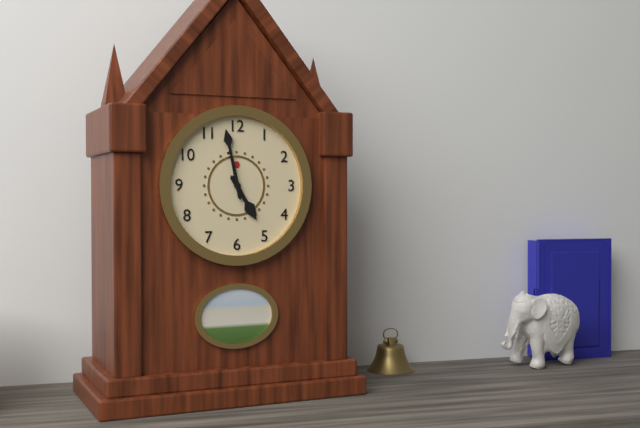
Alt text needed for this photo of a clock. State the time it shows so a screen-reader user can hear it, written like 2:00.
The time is 4:58
